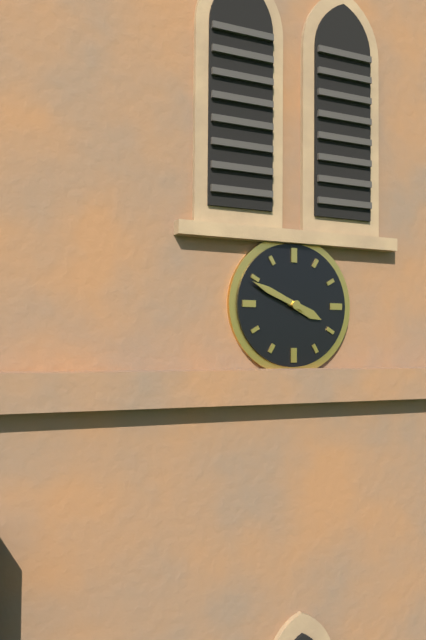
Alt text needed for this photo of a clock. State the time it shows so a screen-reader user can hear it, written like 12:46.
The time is 3:49
